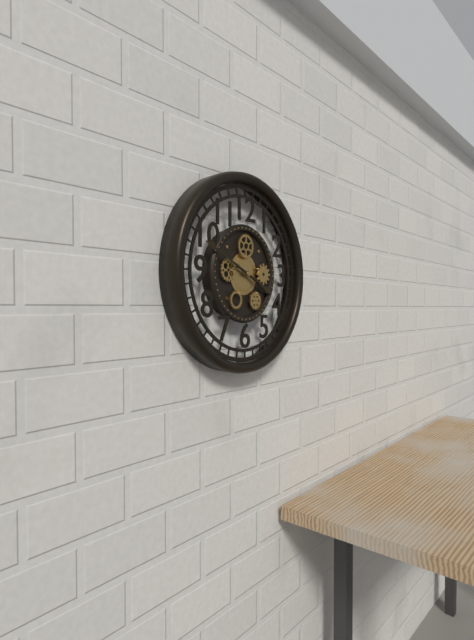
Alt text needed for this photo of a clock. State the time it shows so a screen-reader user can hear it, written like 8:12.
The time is 3:49
